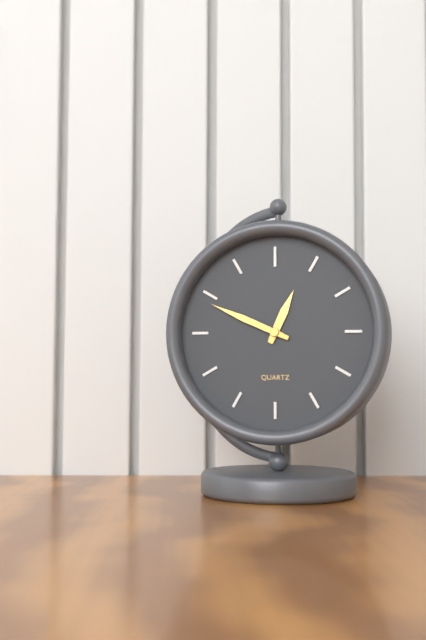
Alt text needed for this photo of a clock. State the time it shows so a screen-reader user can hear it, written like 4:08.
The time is 12:49
